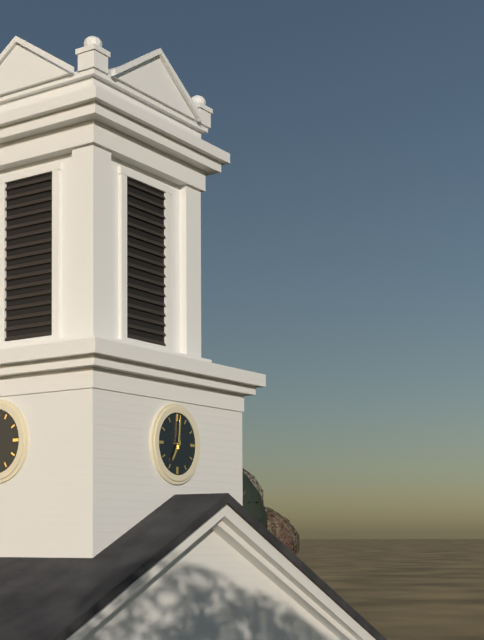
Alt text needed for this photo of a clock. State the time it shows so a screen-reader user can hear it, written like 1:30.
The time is 7:01
